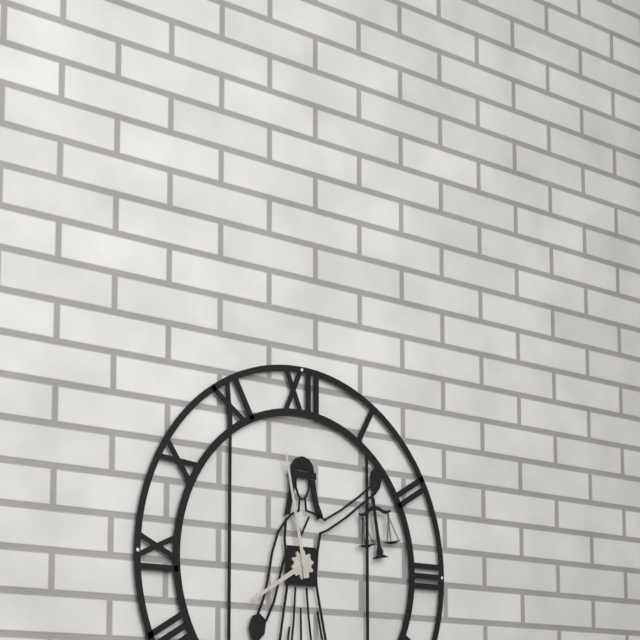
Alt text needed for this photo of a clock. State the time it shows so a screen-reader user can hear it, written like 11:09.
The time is 7:58
